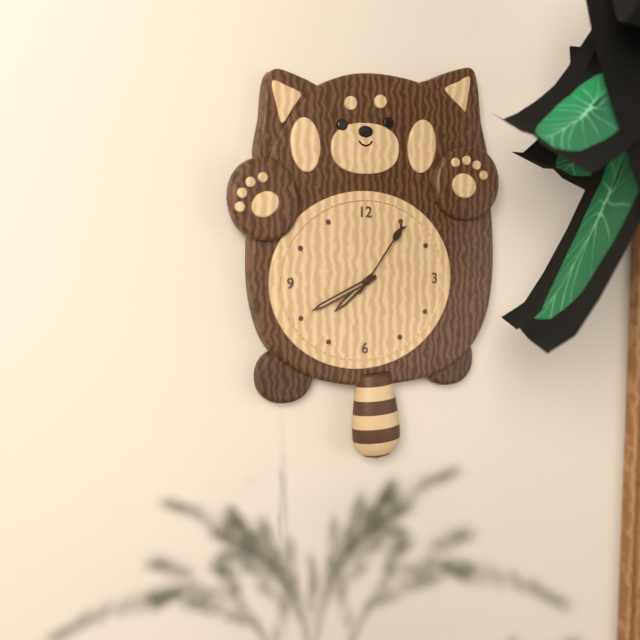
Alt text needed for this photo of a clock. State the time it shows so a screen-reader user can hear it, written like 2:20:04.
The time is 7:41:06
